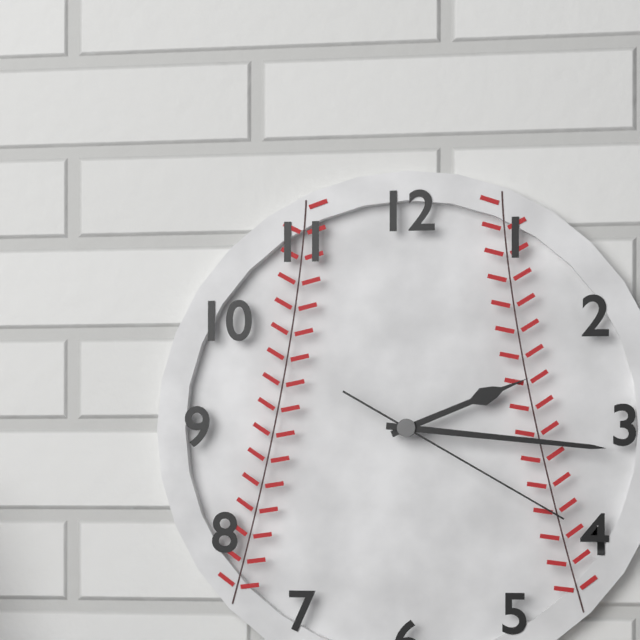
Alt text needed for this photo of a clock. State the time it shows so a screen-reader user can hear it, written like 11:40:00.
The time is 2:16:20
